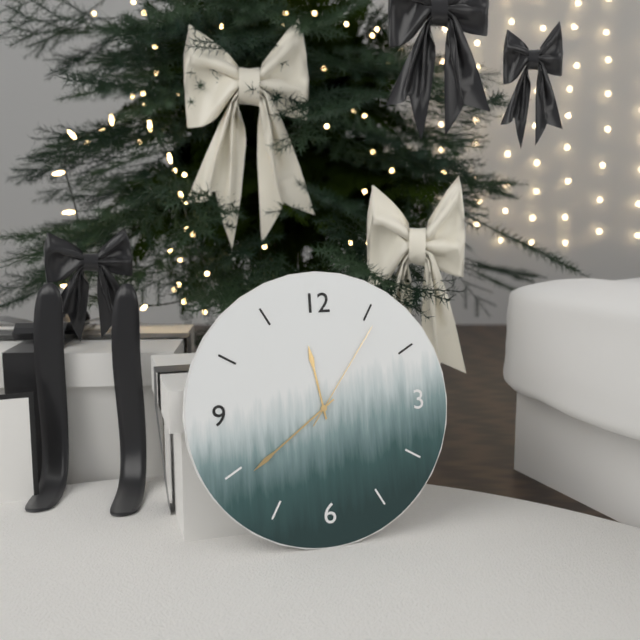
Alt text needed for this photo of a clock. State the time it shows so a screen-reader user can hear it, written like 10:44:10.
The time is 11:39:06
